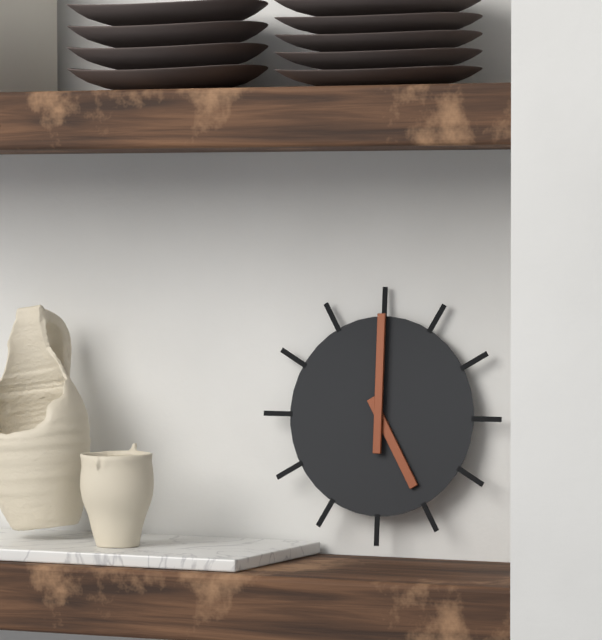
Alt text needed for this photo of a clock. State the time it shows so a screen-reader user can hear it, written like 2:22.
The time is 5:00
